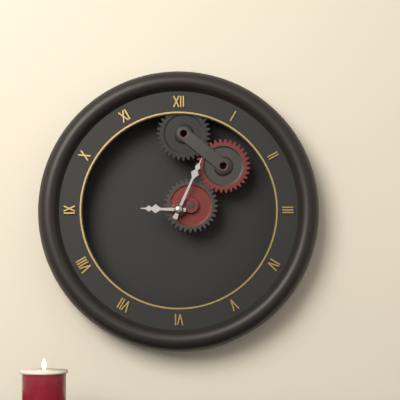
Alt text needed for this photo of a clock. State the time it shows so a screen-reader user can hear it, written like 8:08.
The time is 9:04
